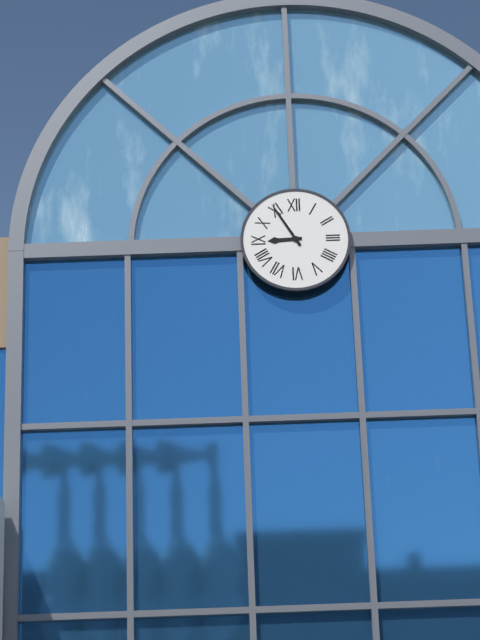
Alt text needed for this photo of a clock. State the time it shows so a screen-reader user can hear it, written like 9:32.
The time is 8:55
